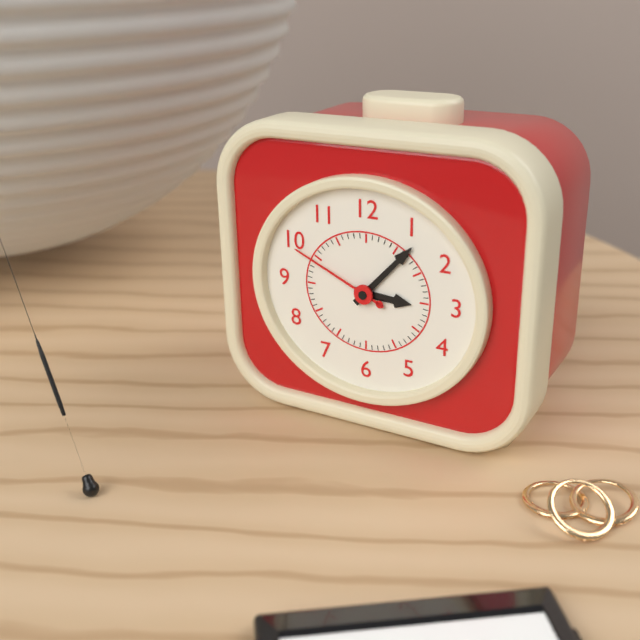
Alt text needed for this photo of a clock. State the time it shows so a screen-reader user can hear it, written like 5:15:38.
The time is 3:07:49
